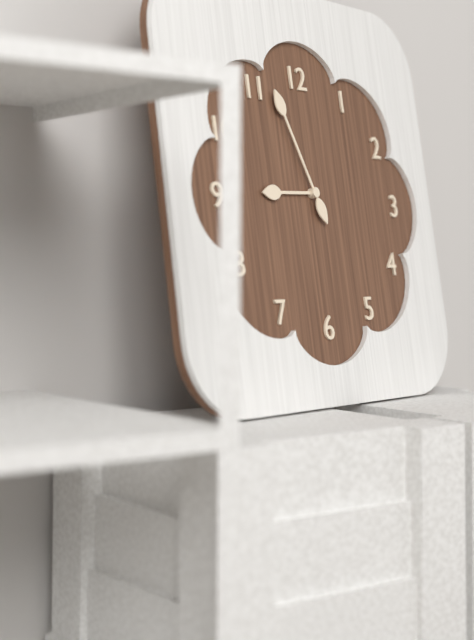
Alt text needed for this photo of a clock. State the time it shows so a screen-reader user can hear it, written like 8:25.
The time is 8:56
